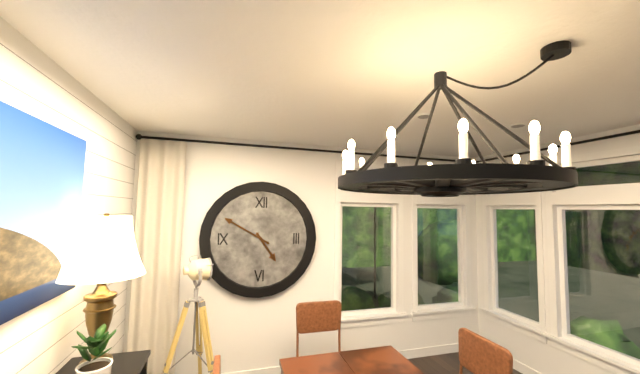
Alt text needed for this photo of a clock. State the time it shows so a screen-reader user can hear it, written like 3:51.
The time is 4:50
